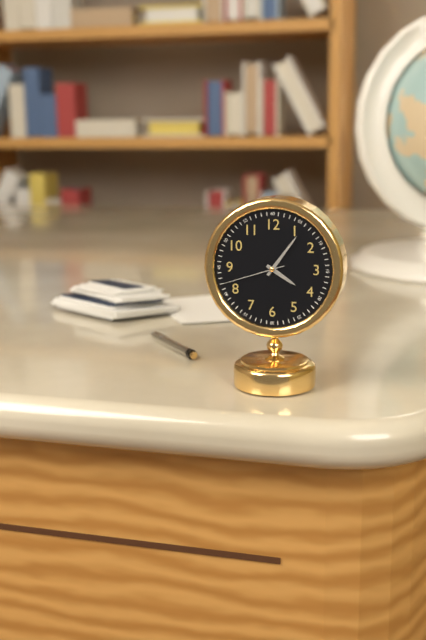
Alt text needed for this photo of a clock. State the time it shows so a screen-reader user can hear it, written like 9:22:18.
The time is 4:06:42
